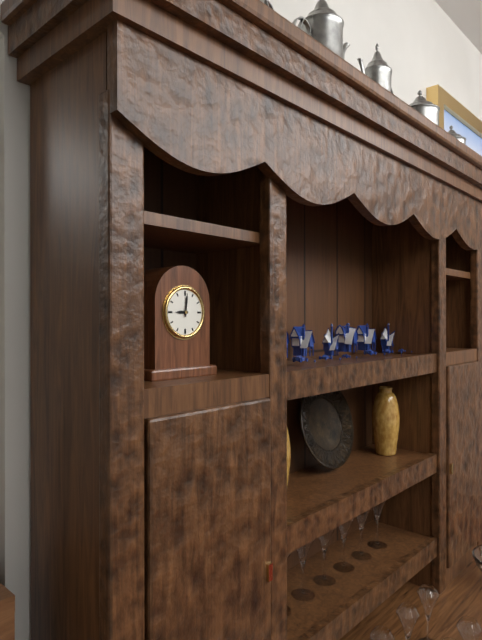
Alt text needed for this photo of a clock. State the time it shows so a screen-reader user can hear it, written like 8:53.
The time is 9:01
